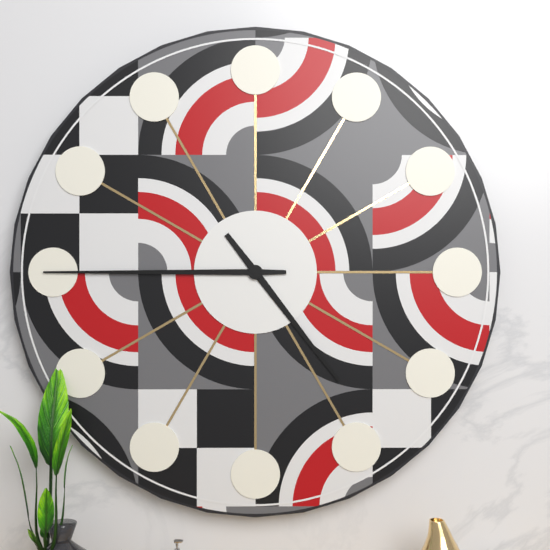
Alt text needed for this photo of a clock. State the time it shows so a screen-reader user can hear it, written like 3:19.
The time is 4:45
